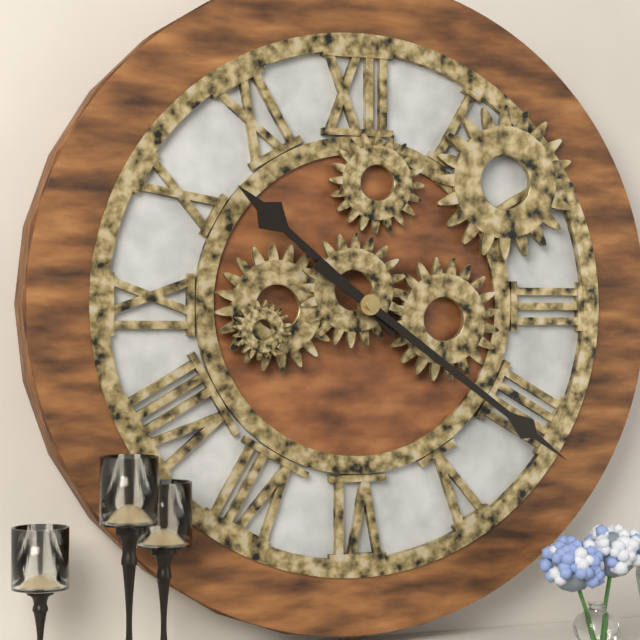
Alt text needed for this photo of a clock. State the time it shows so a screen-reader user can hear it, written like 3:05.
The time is 10:21
